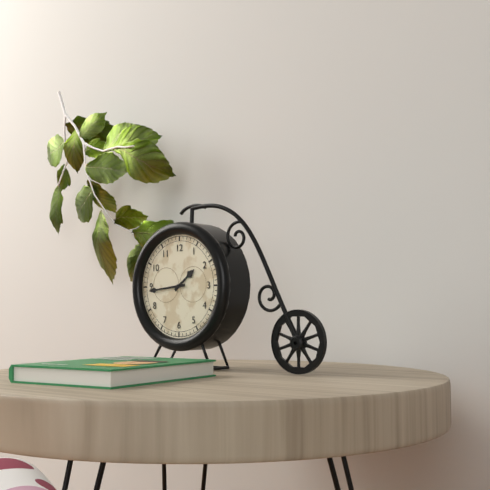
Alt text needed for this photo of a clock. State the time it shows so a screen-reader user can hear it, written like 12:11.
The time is 1:44
